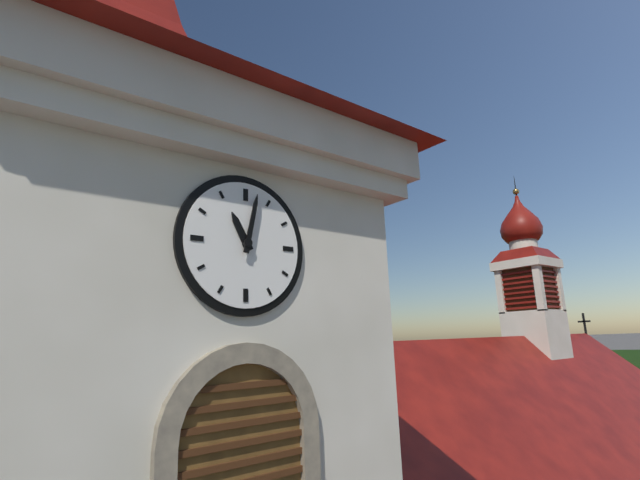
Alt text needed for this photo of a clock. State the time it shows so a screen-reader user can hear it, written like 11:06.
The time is 11:02
